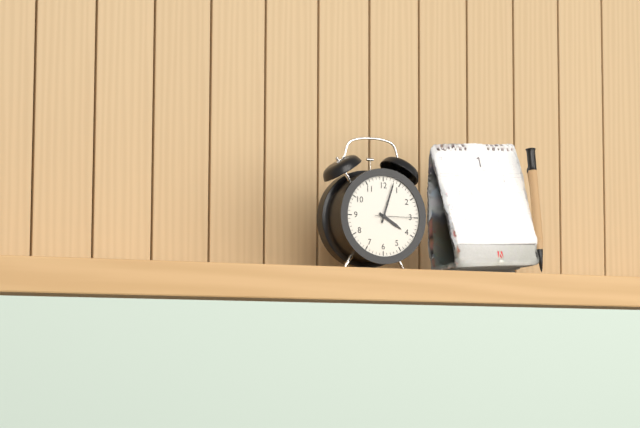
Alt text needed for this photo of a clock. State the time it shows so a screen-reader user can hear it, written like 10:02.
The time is 4:03
